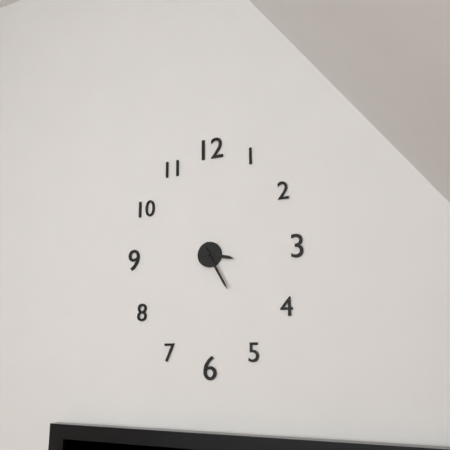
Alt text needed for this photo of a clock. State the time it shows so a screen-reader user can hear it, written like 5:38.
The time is 3:25
